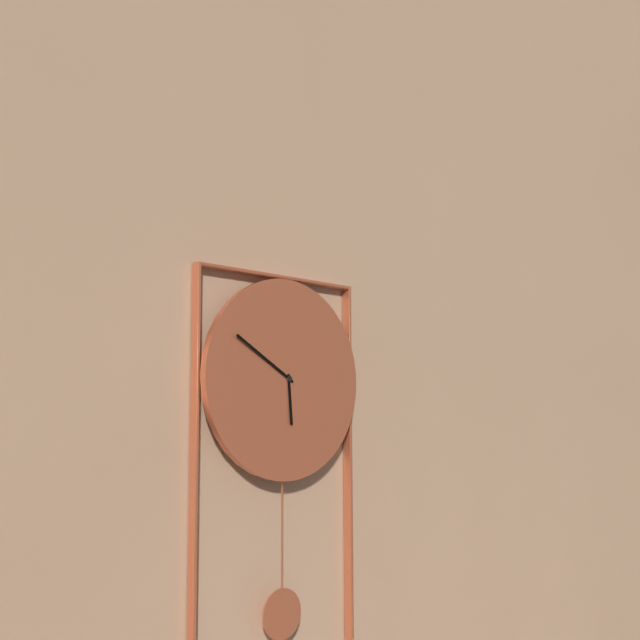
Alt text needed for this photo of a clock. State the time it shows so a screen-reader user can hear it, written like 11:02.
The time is 5:50
